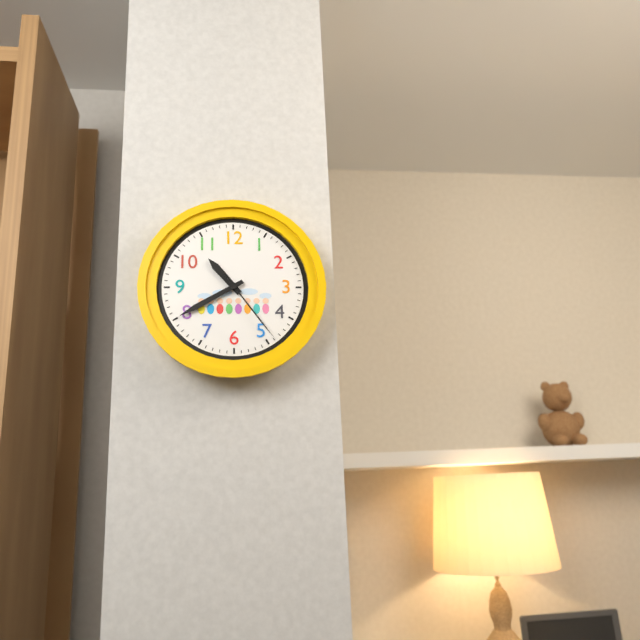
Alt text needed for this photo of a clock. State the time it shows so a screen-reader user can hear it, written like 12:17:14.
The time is 10:40:24
